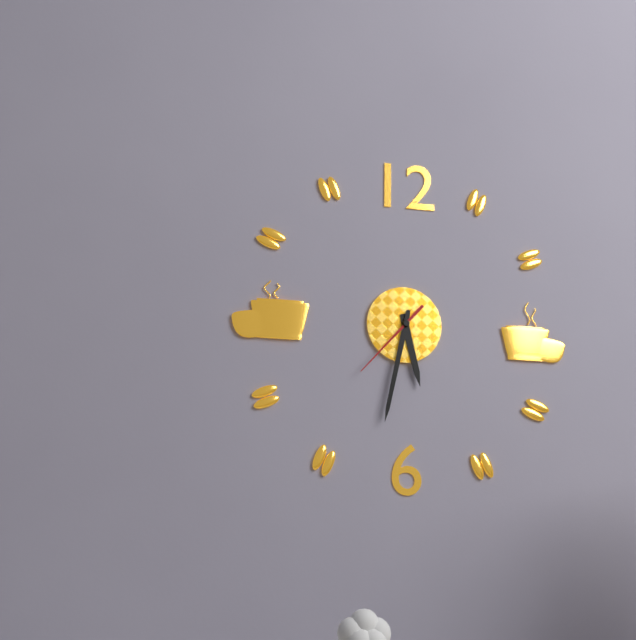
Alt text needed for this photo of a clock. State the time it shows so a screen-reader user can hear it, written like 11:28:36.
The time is 5:32:37
